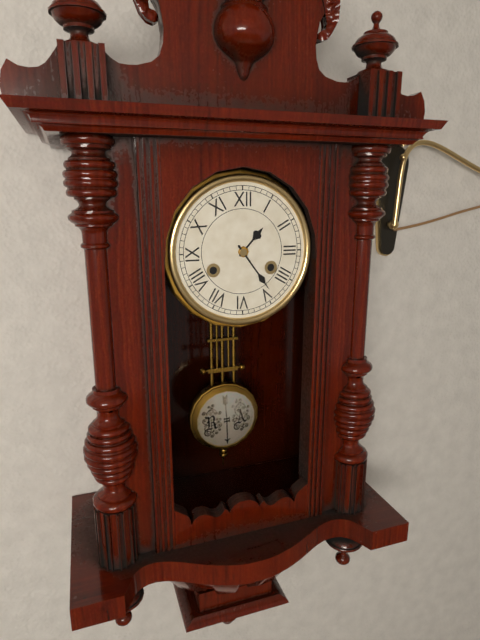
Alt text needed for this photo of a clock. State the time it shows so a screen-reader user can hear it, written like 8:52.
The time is 1:24
